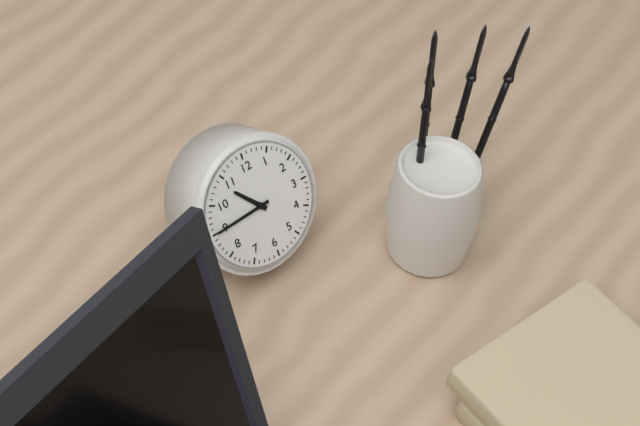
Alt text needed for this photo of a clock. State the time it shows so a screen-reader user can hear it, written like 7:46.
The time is 10:45
